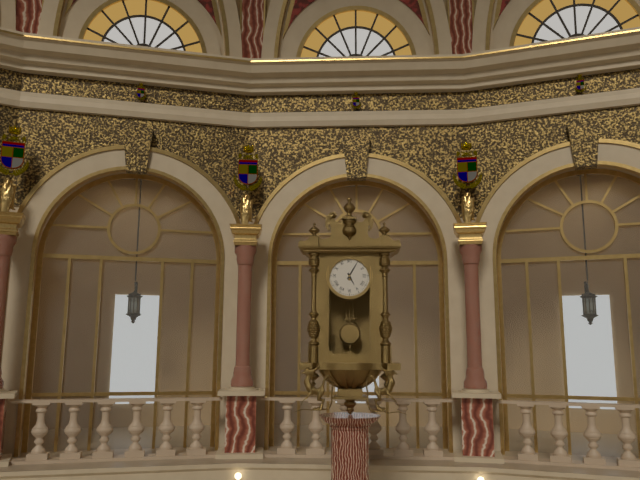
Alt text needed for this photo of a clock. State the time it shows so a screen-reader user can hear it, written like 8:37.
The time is 5:05
